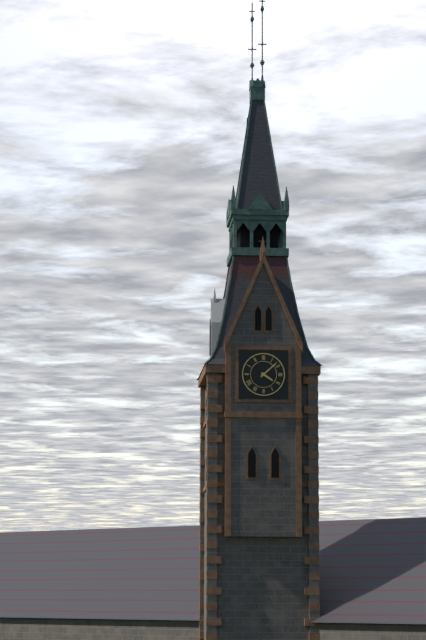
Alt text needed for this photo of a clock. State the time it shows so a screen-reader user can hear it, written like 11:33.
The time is 4:08
